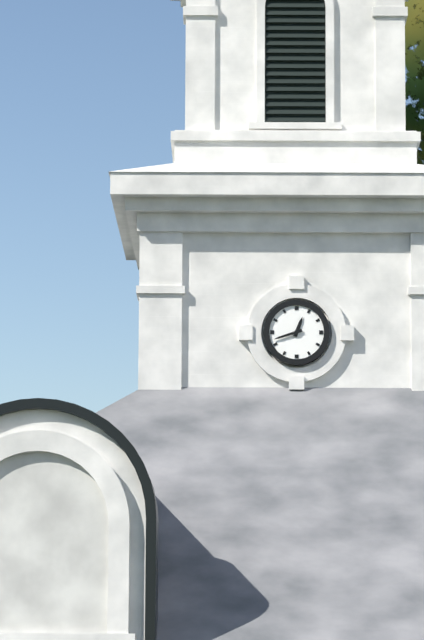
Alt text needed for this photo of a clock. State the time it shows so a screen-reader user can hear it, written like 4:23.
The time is 12:42
